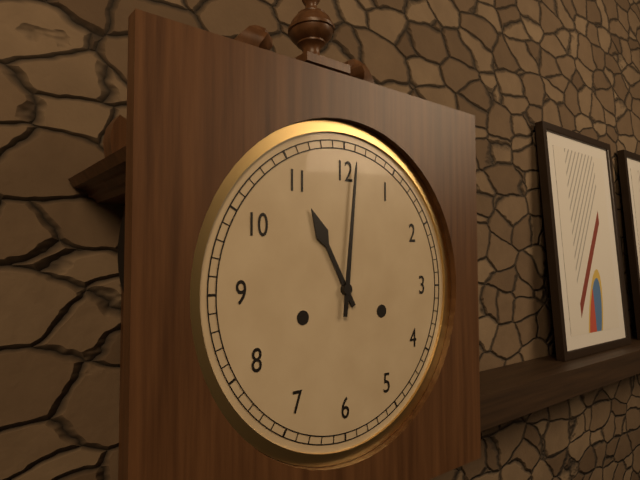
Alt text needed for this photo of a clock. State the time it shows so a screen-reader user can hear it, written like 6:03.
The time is 11:01
